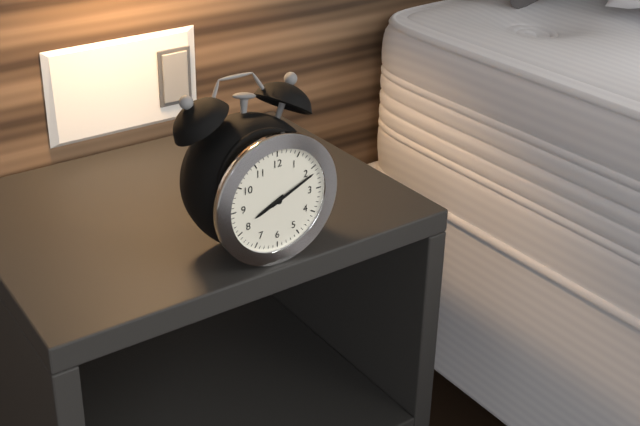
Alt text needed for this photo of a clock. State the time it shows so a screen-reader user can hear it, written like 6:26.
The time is 8:11
